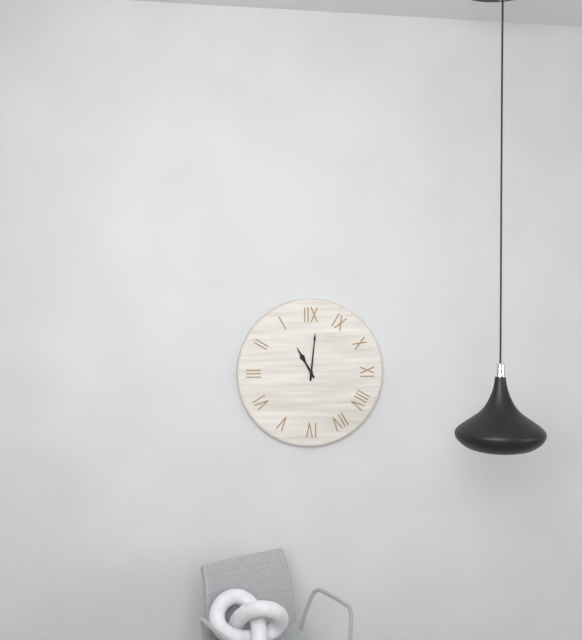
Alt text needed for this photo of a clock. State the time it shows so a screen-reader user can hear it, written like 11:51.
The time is 11:01
